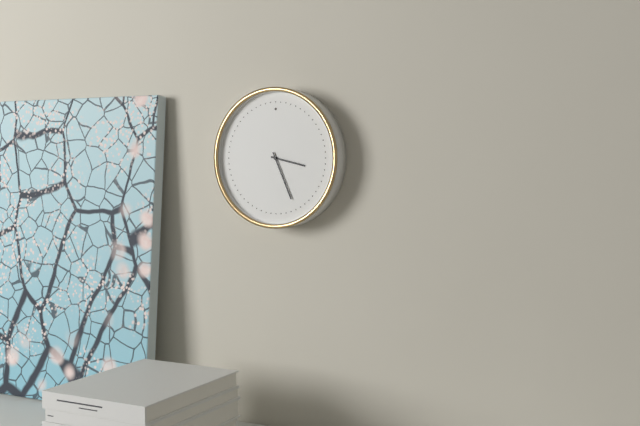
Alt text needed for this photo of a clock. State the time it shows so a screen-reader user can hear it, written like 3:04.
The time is 3:26
